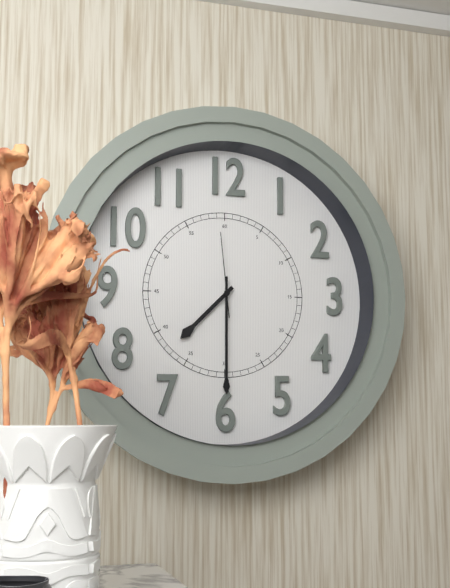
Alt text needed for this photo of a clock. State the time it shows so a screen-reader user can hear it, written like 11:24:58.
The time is 7:30:59
